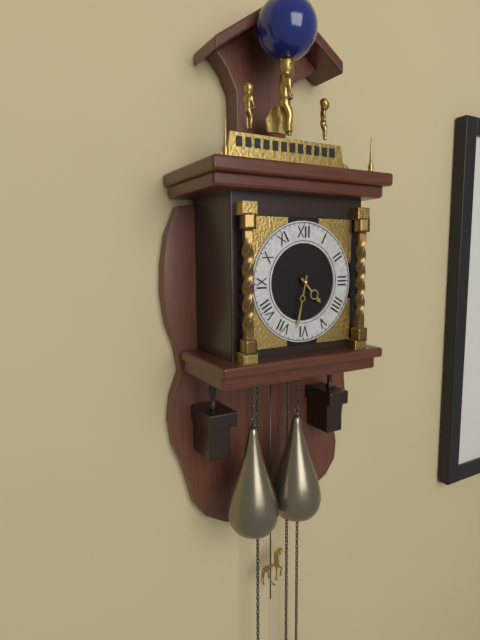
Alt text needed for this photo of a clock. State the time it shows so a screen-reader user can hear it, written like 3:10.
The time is 4:32
